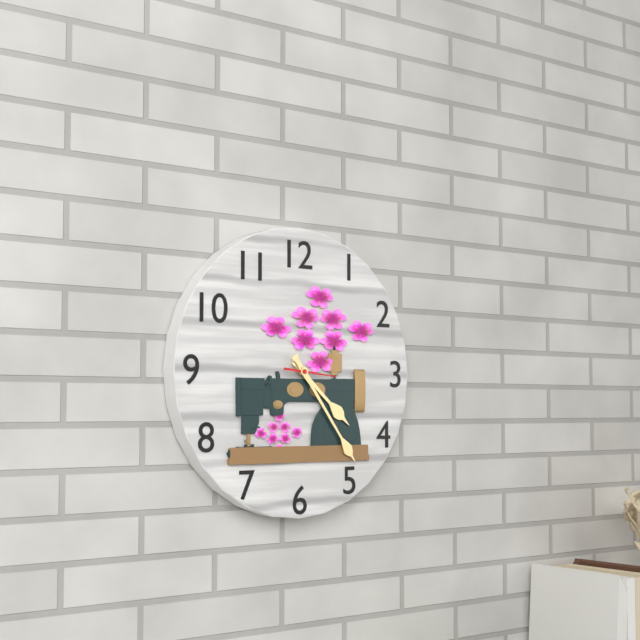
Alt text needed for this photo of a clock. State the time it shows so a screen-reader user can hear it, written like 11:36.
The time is 4:24
